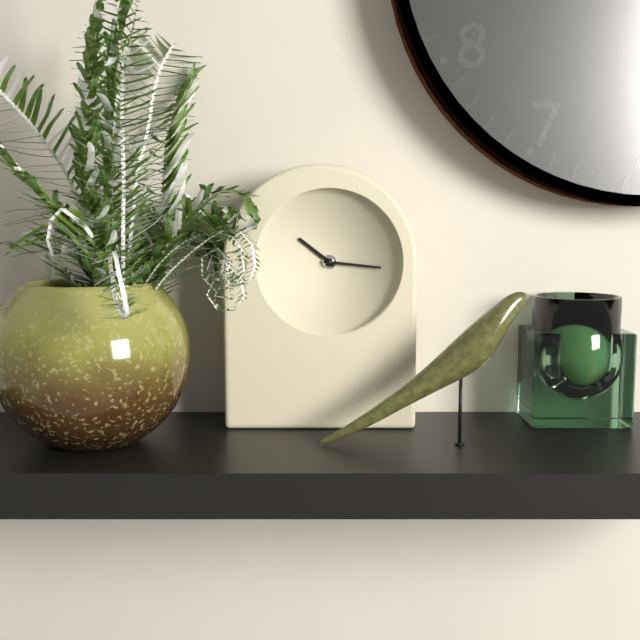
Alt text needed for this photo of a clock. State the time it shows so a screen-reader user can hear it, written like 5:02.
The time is 10:16
